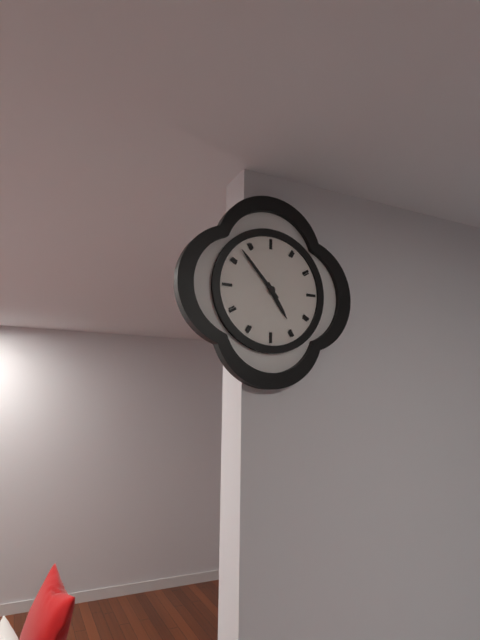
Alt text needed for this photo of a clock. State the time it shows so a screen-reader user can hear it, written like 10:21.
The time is 4:53
